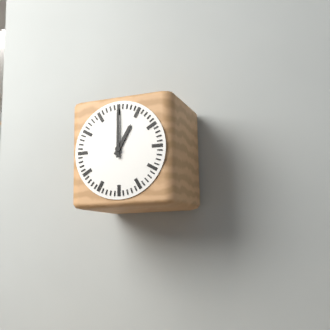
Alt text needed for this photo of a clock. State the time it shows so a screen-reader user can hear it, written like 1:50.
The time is 1:00
